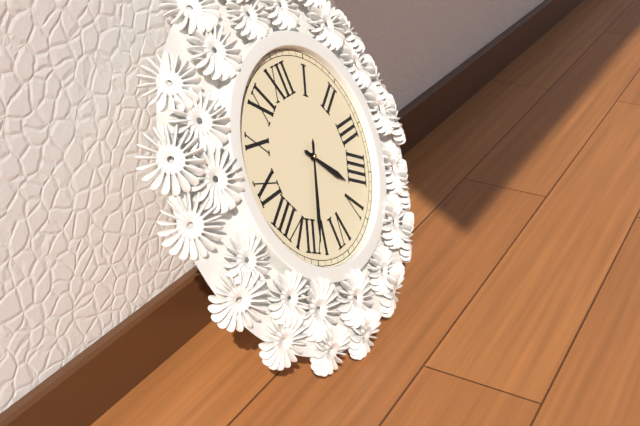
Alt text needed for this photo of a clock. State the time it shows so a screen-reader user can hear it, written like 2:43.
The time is 4:35
